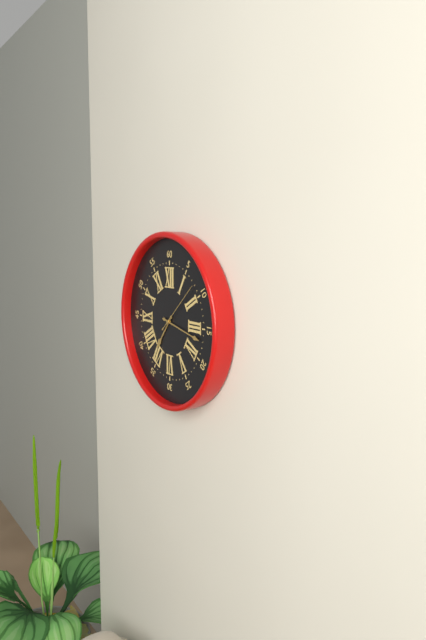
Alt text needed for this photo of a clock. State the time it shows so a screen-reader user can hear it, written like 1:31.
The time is 7:17
